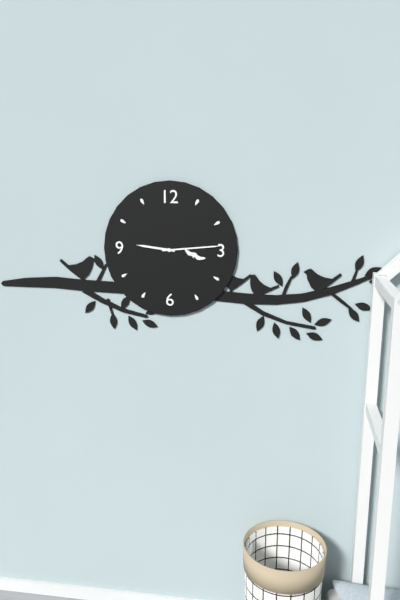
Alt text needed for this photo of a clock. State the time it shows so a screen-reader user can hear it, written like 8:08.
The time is 9:14
